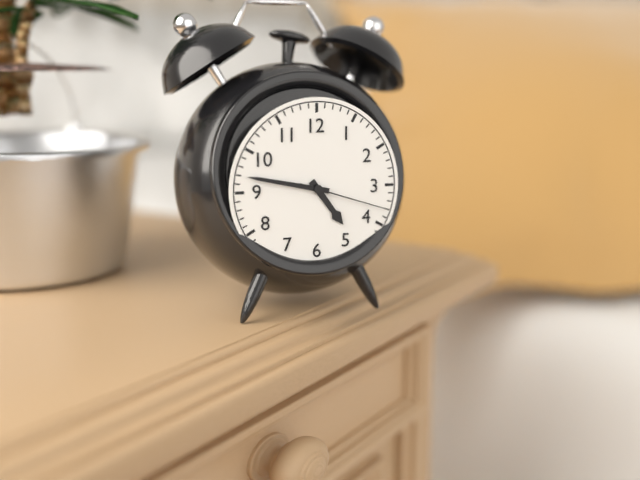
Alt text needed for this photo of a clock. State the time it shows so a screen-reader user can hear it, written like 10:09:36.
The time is 4:47:18
